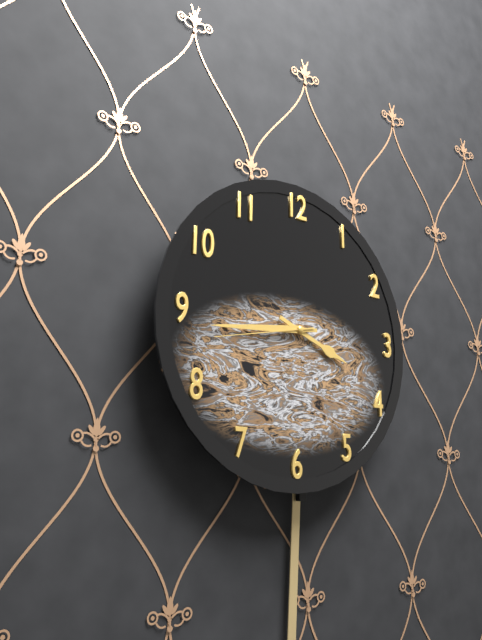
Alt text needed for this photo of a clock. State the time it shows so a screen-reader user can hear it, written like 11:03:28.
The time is 3:44:43
